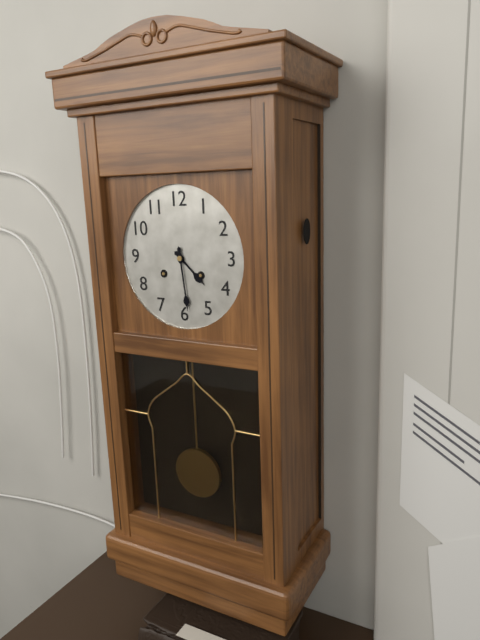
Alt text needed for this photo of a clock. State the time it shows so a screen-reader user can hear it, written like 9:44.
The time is 4:29
